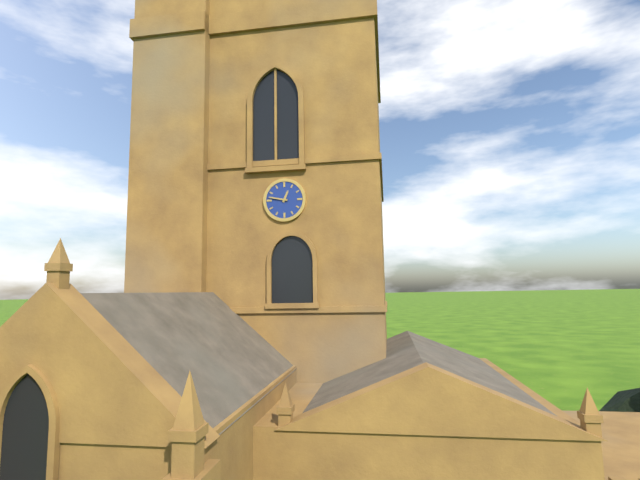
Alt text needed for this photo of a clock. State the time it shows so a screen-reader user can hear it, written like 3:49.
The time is 12:47
